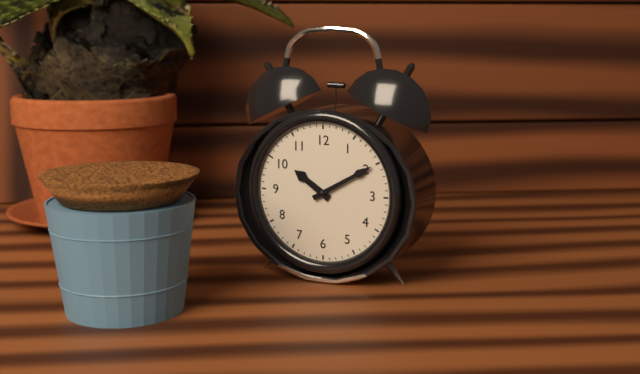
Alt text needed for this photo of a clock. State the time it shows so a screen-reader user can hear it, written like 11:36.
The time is 10:10
